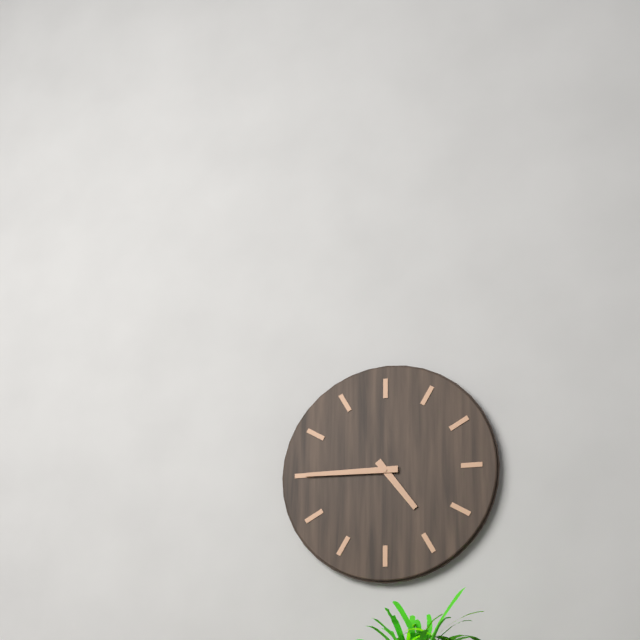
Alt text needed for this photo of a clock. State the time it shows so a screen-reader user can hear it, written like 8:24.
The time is 4:45
